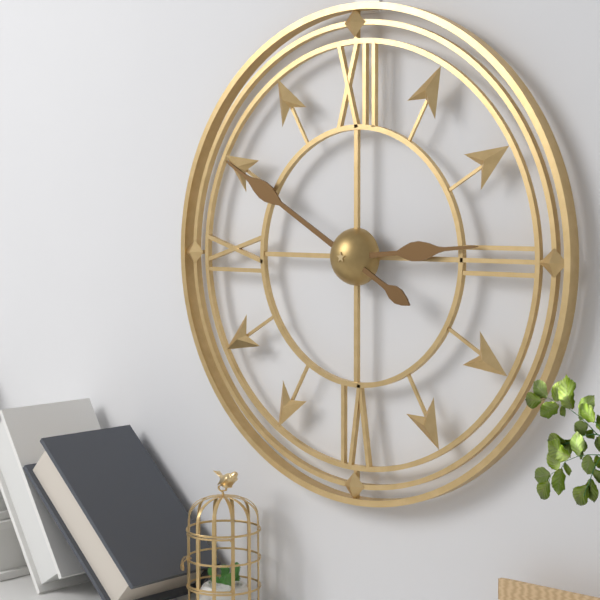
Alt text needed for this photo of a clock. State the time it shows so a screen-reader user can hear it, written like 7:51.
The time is 2:50
